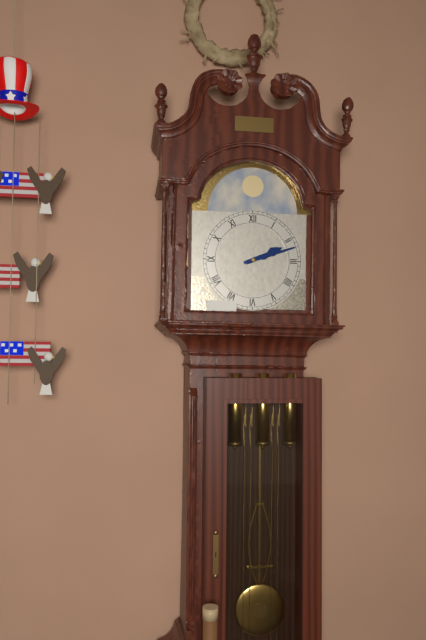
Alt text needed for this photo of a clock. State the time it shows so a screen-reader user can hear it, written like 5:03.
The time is 2:12
